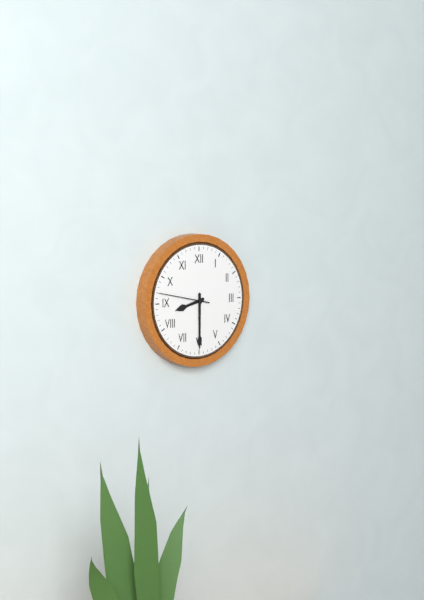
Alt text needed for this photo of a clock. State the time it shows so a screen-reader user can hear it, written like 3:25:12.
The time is 8:30:47
